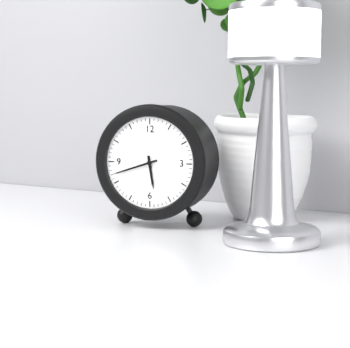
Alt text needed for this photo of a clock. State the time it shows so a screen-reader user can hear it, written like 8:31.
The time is 5:42
